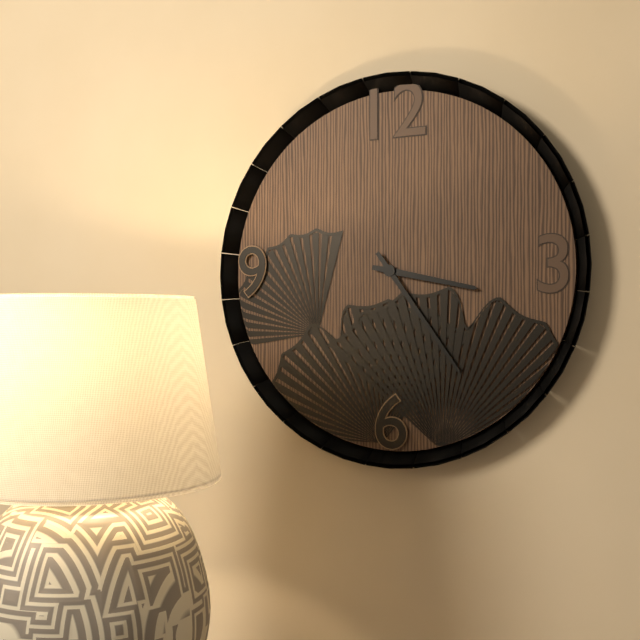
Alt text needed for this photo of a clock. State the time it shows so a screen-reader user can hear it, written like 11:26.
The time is 3:24
